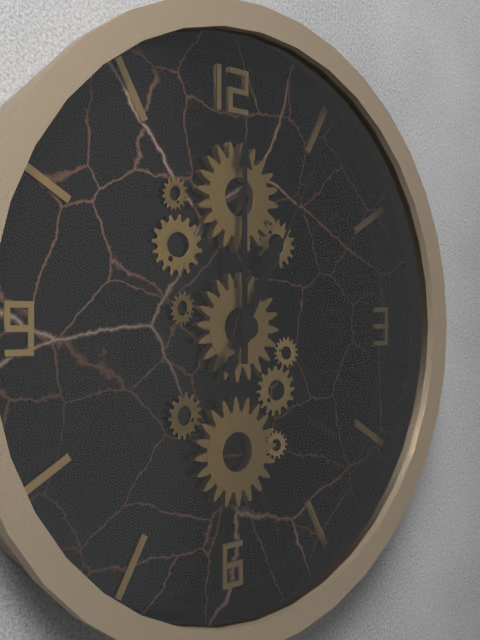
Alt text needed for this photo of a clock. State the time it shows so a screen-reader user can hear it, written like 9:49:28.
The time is 1:00:05
